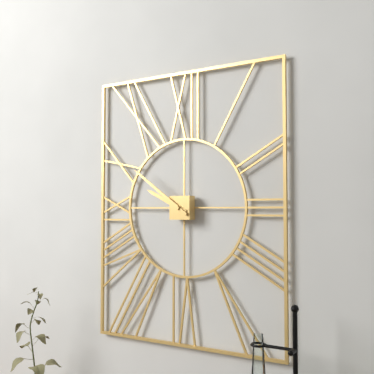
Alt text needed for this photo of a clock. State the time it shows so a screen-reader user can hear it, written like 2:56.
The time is 9:51
